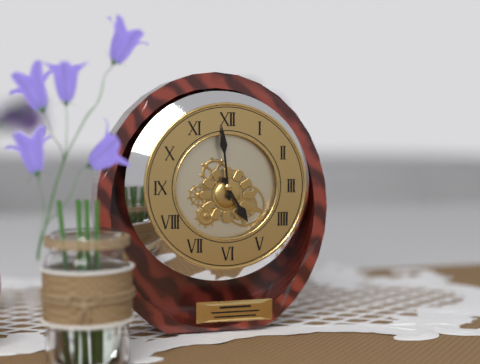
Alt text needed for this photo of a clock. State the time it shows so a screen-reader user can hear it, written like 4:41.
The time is 4:59
